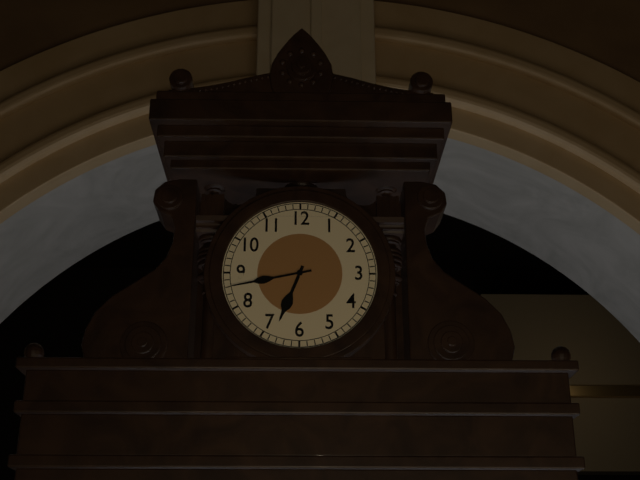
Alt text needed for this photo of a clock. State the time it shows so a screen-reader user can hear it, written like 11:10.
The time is 6:43
